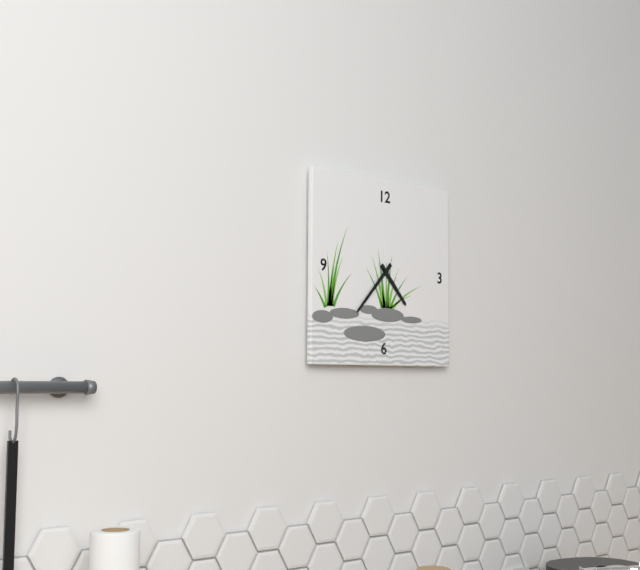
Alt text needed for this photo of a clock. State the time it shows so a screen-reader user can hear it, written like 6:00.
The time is 4:37
